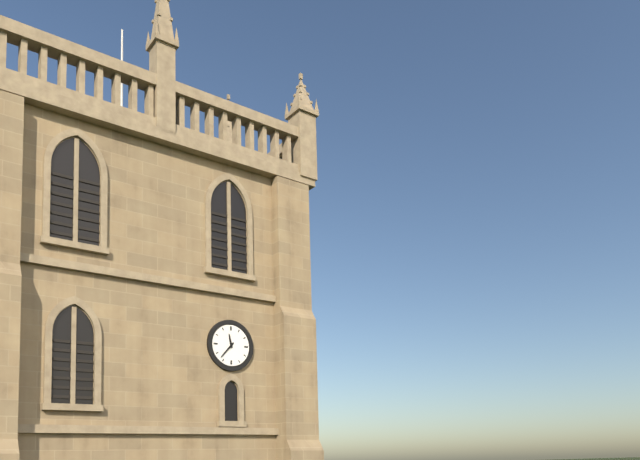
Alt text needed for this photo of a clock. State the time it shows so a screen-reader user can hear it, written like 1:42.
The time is 11:37
